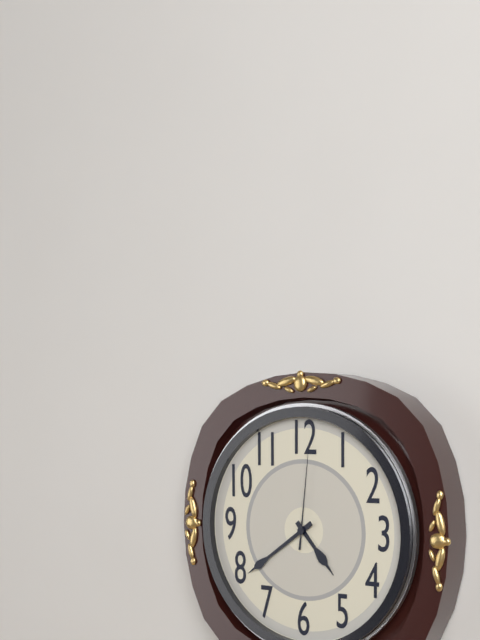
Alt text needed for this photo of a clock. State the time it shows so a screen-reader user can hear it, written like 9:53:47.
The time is 4:39:01
